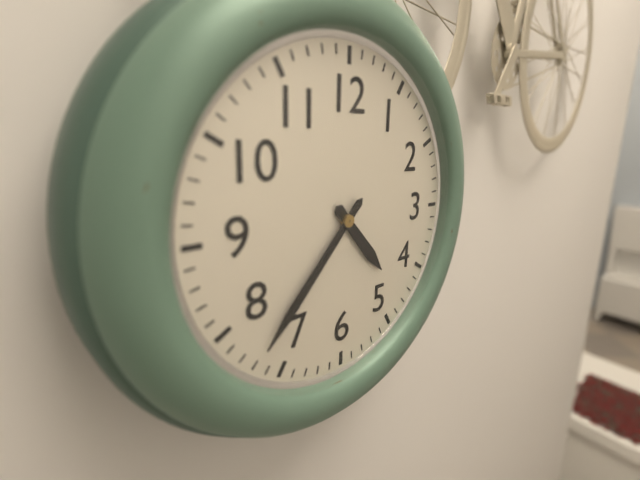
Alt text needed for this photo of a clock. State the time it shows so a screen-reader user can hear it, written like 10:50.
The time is 4:37
